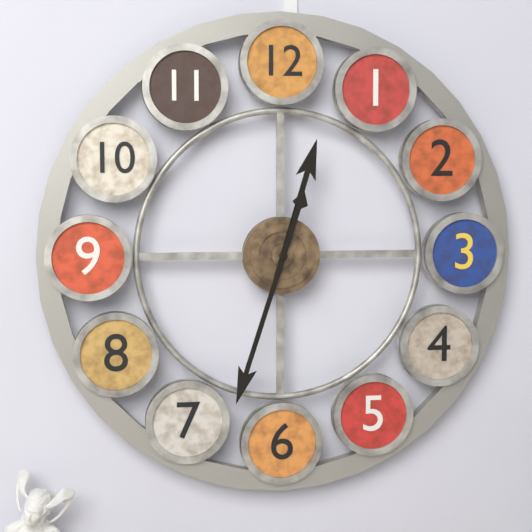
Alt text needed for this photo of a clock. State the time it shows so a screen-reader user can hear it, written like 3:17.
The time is 12:33
